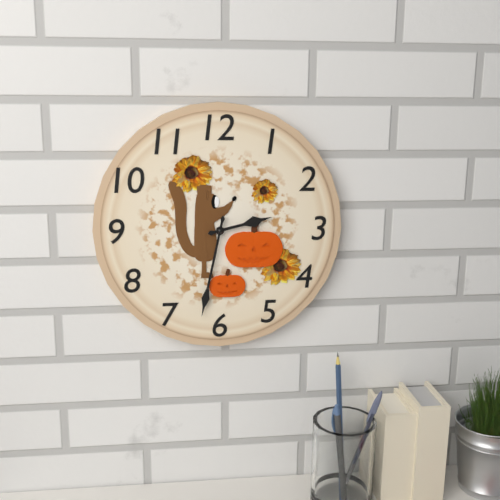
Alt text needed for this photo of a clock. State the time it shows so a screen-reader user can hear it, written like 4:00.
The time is 2:32
